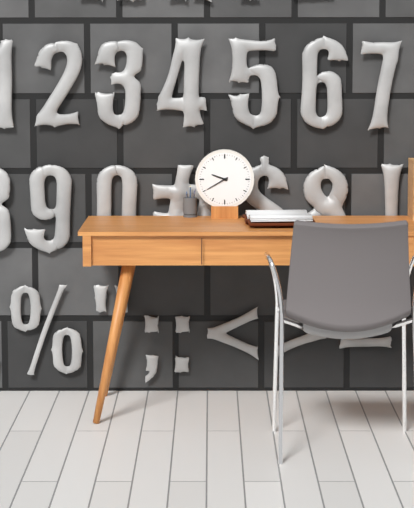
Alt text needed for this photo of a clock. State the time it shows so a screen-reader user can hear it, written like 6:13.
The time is 9:40
